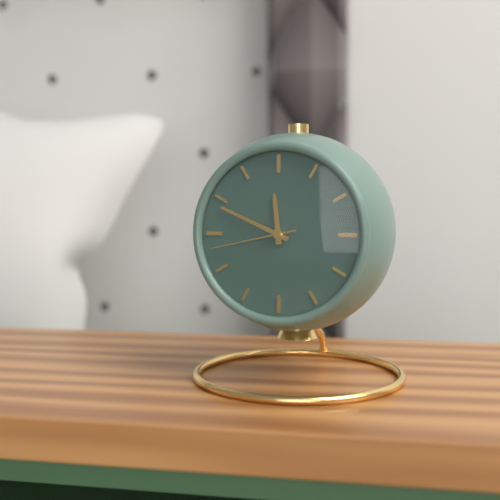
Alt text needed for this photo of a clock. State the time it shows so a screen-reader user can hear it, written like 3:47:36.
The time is 11:49:43
